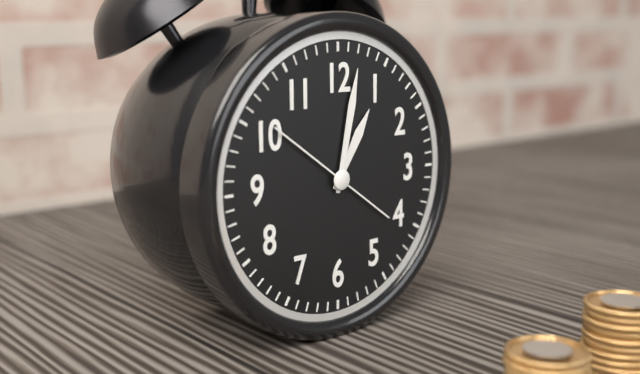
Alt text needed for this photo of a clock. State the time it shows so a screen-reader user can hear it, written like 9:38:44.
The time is 1:02:51
